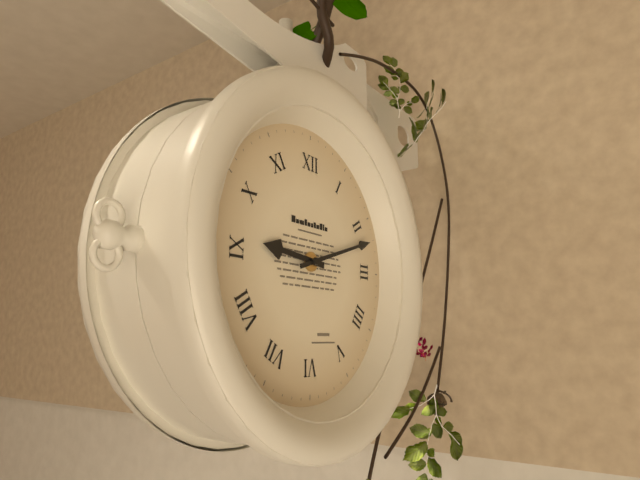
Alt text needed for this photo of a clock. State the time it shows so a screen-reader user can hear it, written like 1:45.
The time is 9:12
